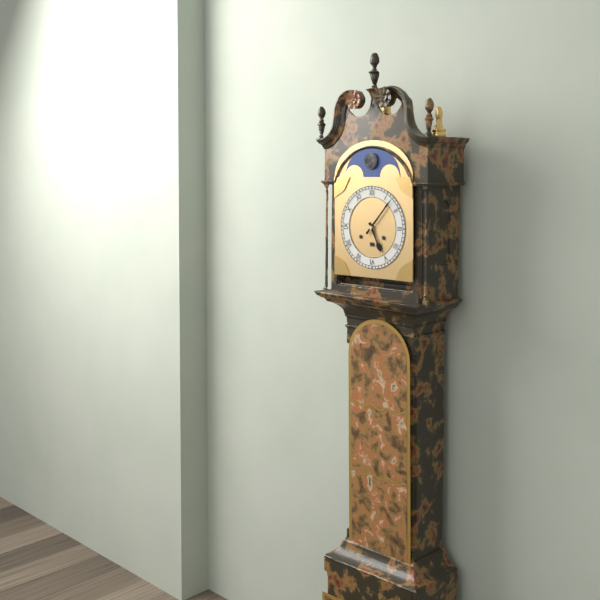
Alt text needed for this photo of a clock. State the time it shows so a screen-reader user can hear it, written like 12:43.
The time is 5:07
